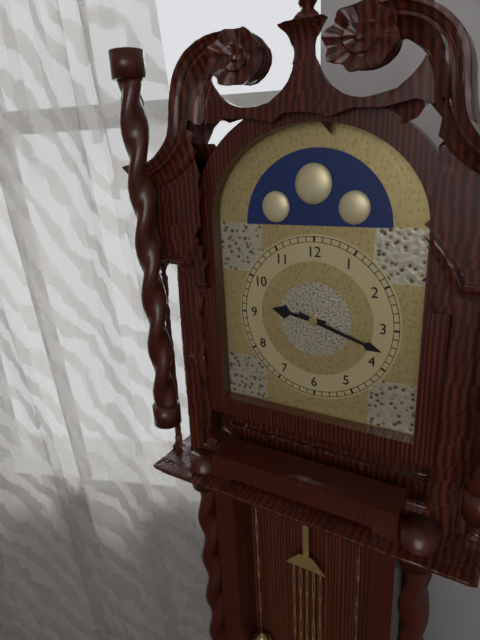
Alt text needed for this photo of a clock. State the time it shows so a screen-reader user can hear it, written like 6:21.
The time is 9:18
